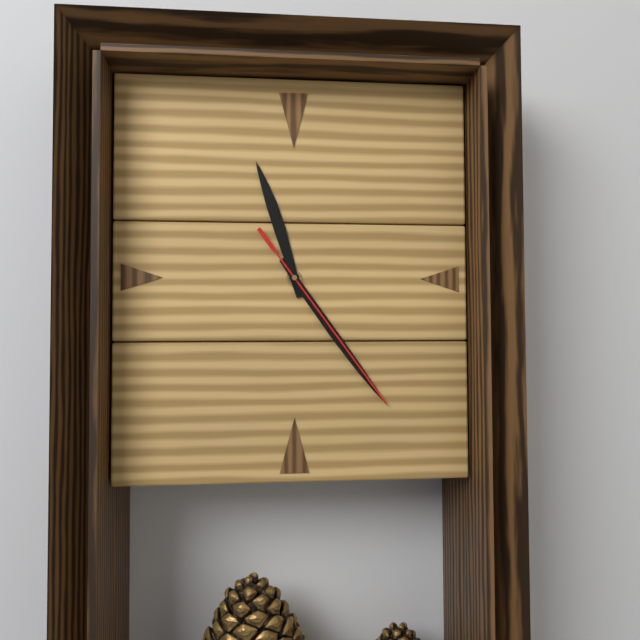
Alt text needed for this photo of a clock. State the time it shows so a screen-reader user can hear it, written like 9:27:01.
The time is 11:24:24
